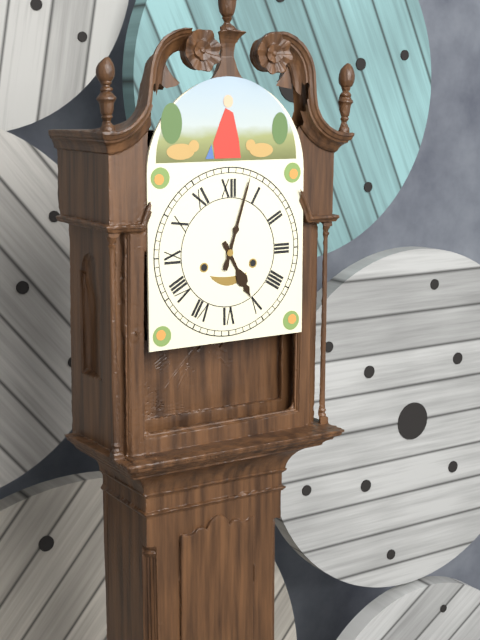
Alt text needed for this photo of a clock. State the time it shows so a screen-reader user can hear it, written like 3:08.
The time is 5:03
